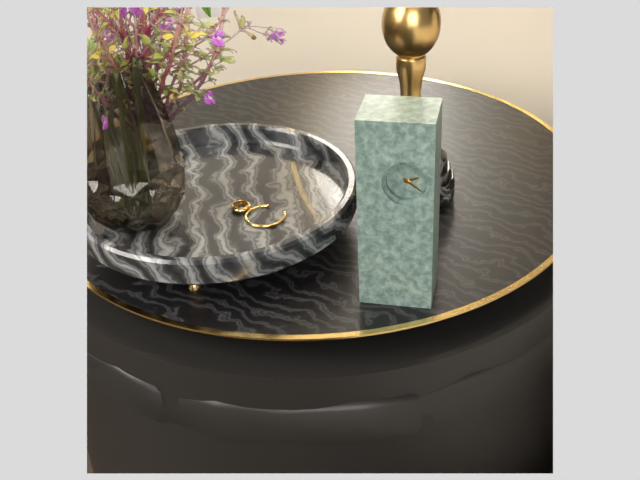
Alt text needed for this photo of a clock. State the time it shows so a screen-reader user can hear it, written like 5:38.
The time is 2:21
